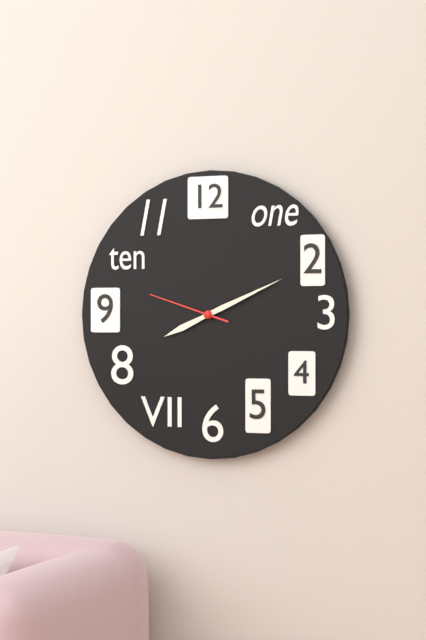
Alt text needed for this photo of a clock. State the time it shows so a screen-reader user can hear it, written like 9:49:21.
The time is 8:11:48
